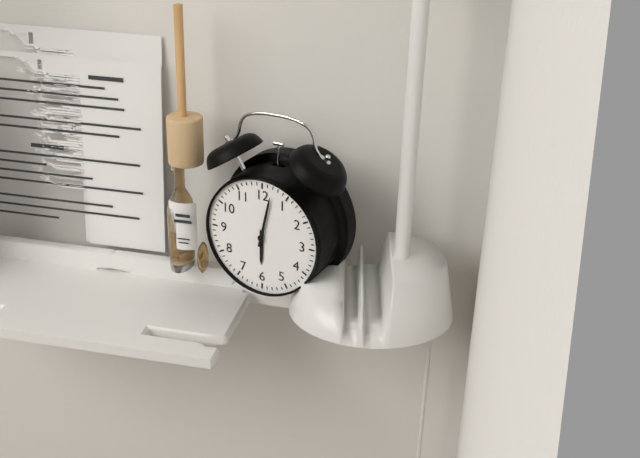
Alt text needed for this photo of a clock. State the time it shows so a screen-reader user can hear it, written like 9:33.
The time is 6:02
